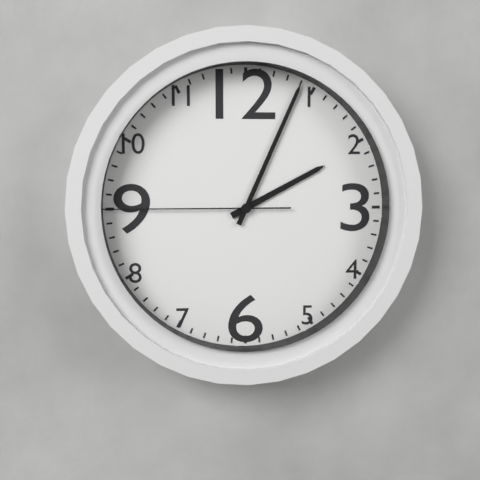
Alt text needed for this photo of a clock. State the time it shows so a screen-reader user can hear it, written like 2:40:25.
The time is 2:04:45
